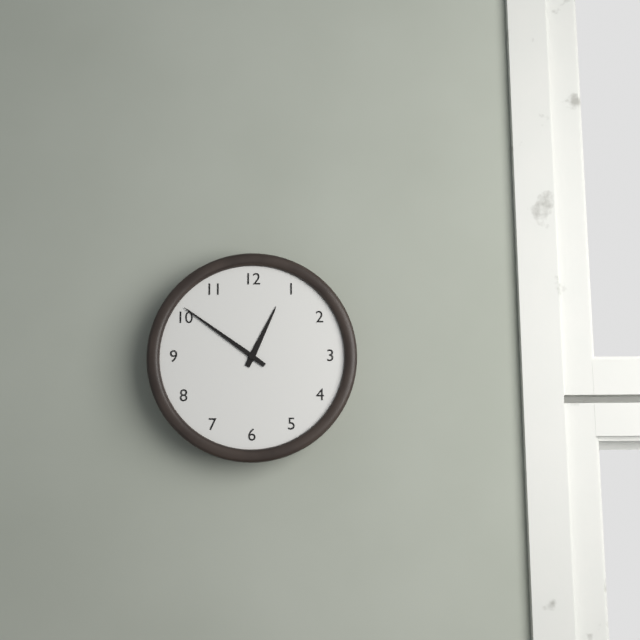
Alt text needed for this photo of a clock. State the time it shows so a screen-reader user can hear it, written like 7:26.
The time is 12:51
